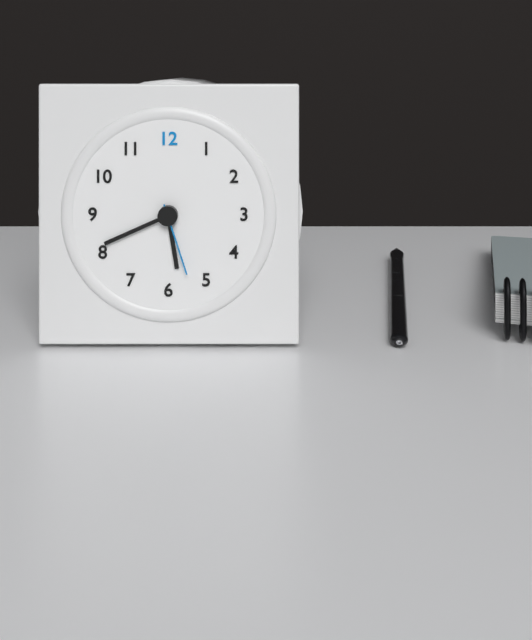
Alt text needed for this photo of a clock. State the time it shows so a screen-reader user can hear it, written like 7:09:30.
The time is 5:41:27
